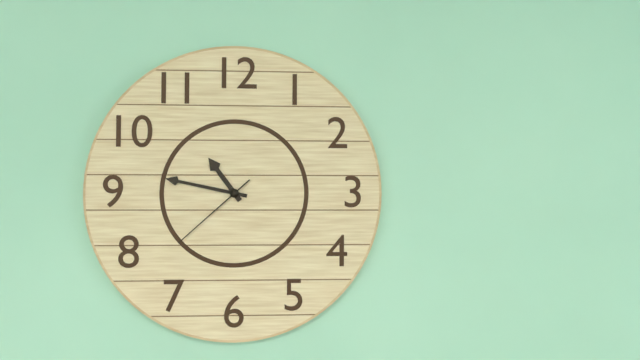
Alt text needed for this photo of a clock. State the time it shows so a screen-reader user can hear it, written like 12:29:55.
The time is 10:47:38
